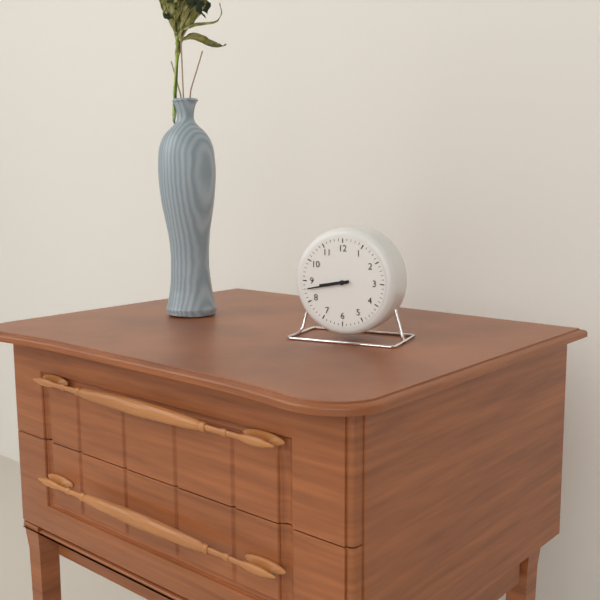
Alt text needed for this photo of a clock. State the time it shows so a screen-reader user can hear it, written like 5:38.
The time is 8:43
